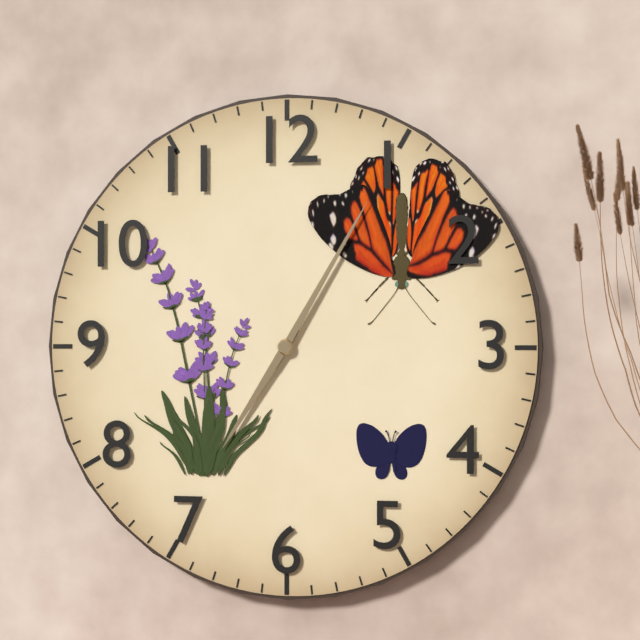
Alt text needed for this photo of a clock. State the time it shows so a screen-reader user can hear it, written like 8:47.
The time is 7:05
